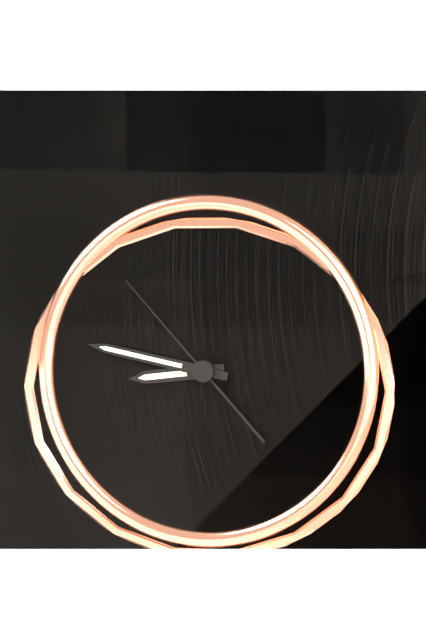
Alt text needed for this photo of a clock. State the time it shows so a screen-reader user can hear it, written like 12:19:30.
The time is 8:47:53
